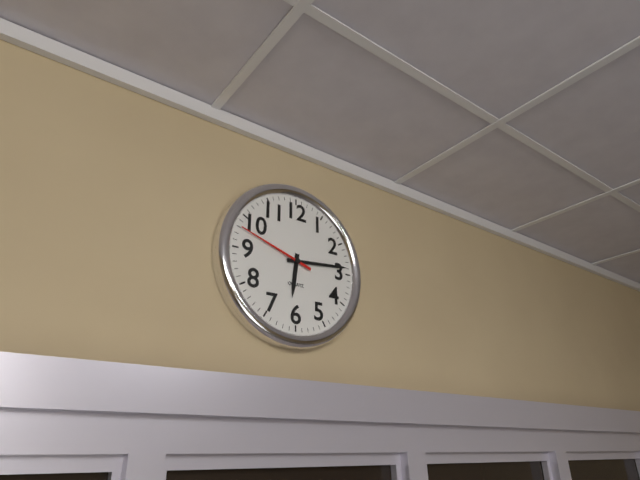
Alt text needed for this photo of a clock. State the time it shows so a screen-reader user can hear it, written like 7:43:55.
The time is 6:14:48
